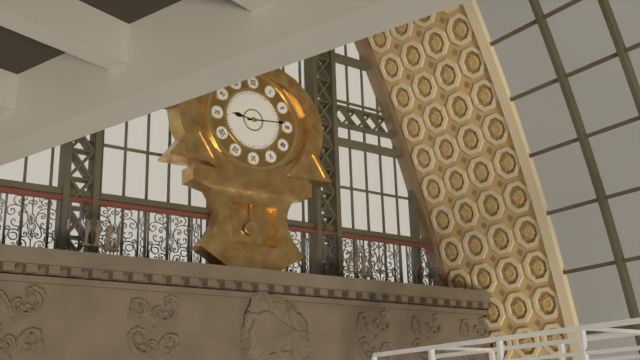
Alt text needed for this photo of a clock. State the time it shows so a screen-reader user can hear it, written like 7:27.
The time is 9:14
